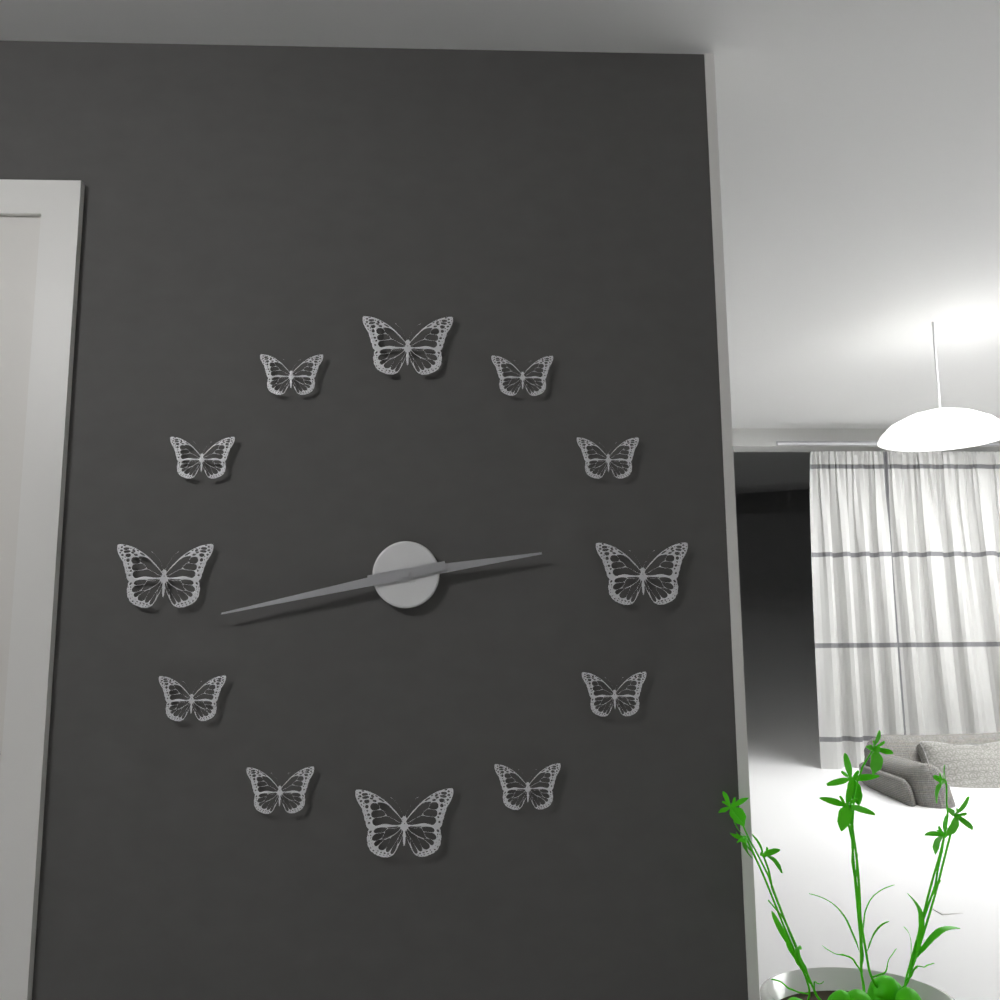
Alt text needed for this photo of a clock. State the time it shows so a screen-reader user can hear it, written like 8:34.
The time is 2:43
